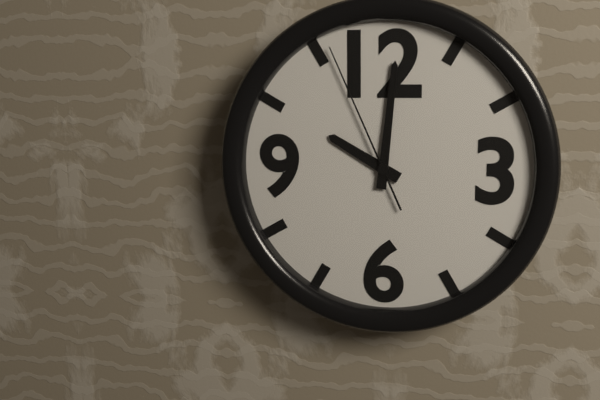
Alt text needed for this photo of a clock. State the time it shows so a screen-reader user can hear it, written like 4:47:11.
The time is 10:01:56
